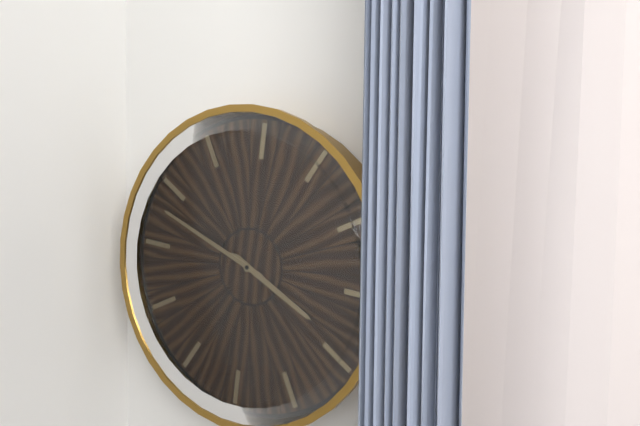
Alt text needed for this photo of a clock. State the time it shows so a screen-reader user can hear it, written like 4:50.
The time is 3:48
